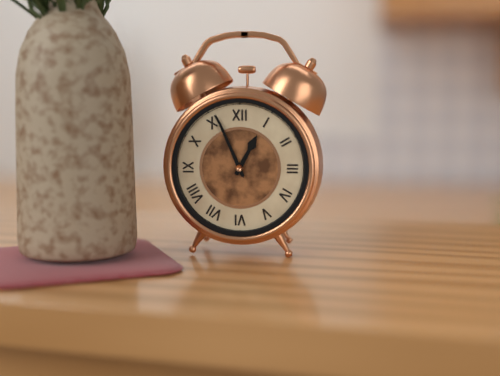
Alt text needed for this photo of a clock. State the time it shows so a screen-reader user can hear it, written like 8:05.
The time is 12:56
